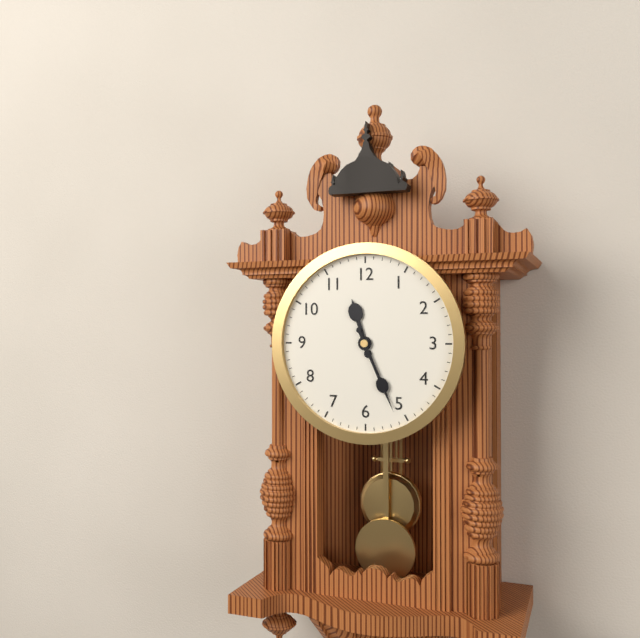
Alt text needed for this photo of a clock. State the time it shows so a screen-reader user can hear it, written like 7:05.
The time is 11:26
